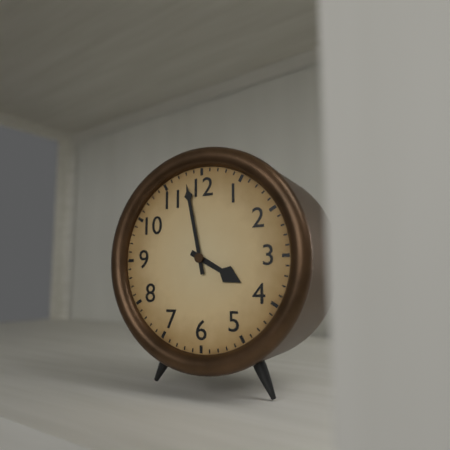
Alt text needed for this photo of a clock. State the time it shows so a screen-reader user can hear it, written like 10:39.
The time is 3:58
